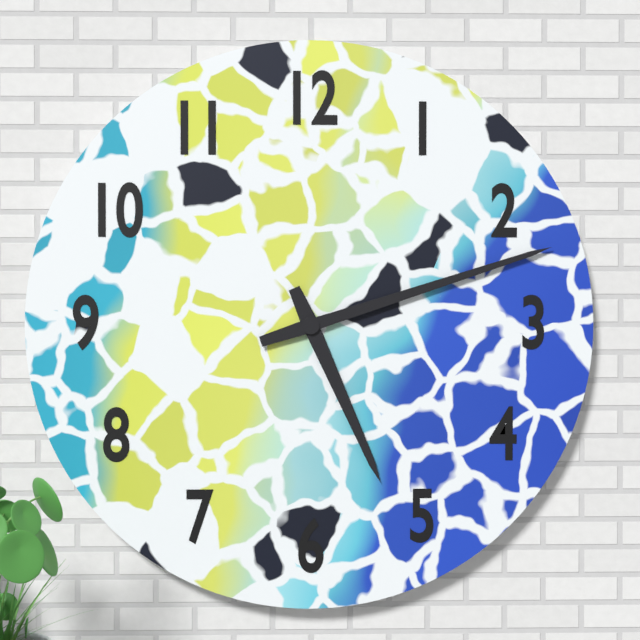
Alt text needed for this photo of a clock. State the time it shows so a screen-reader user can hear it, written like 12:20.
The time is 5:12
